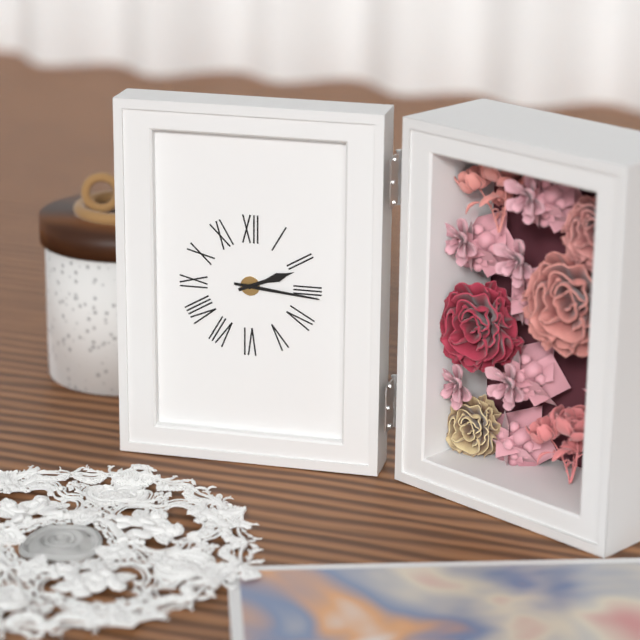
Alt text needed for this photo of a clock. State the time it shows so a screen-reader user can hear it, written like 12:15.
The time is 2:16
